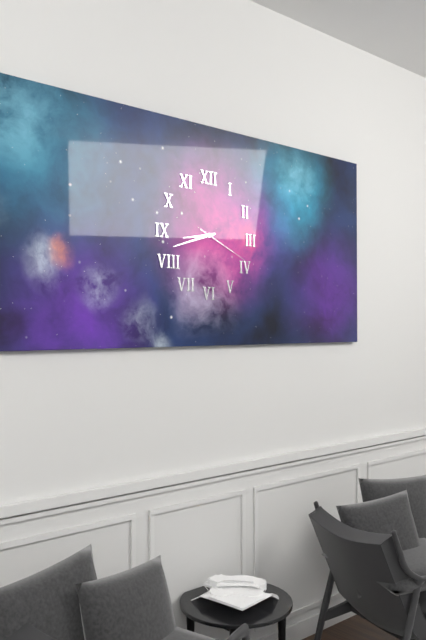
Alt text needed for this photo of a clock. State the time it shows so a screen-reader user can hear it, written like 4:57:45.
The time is 8:42:19
